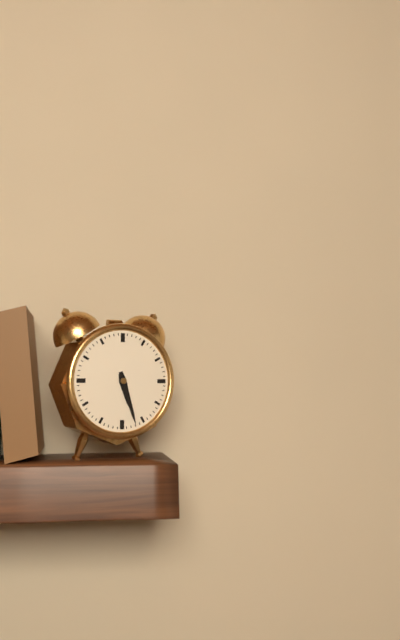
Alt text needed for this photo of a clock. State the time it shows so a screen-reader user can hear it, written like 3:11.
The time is 5:27
